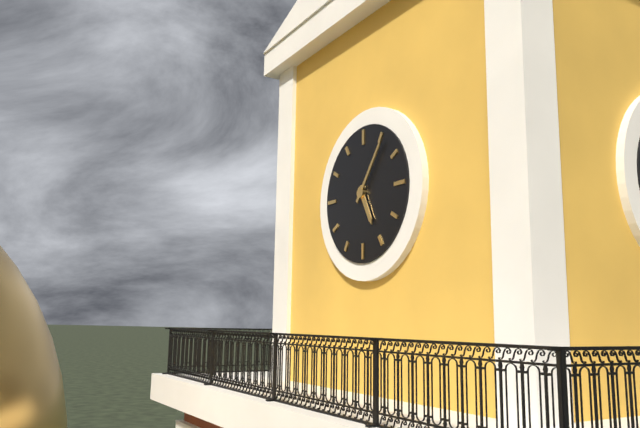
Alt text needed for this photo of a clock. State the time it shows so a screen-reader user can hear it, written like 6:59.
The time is 5:06
